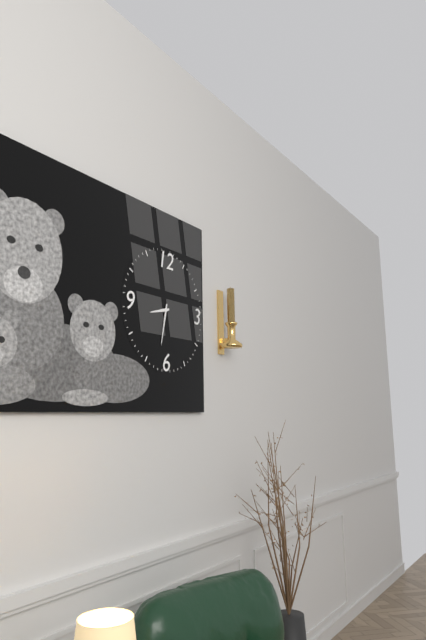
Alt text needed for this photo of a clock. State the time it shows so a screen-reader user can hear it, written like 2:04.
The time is 8:32
